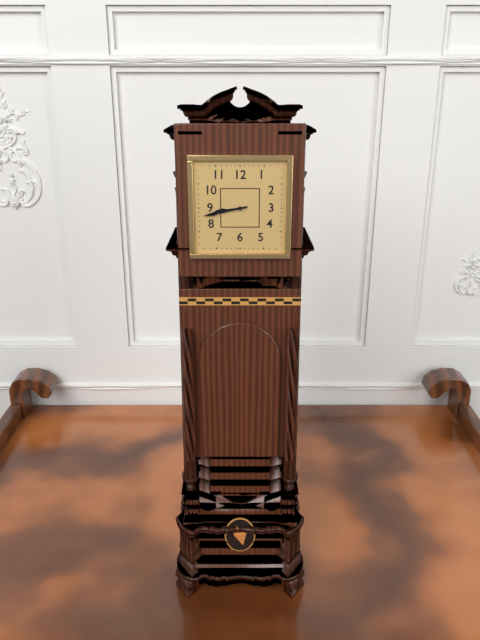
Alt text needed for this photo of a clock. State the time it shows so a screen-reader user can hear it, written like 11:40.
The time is 8:43
